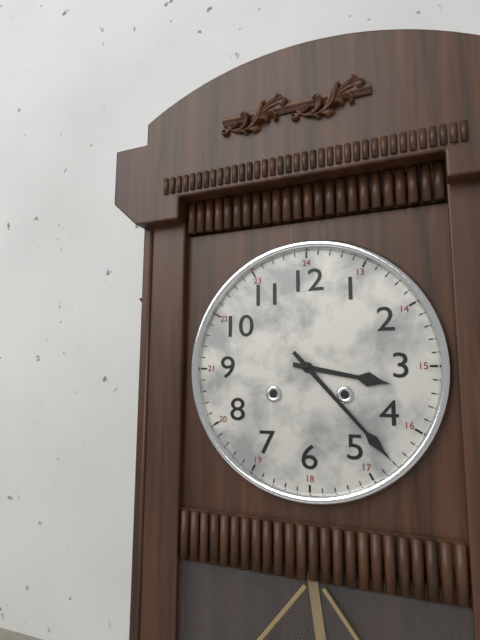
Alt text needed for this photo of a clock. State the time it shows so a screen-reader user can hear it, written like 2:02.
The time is 3:23
